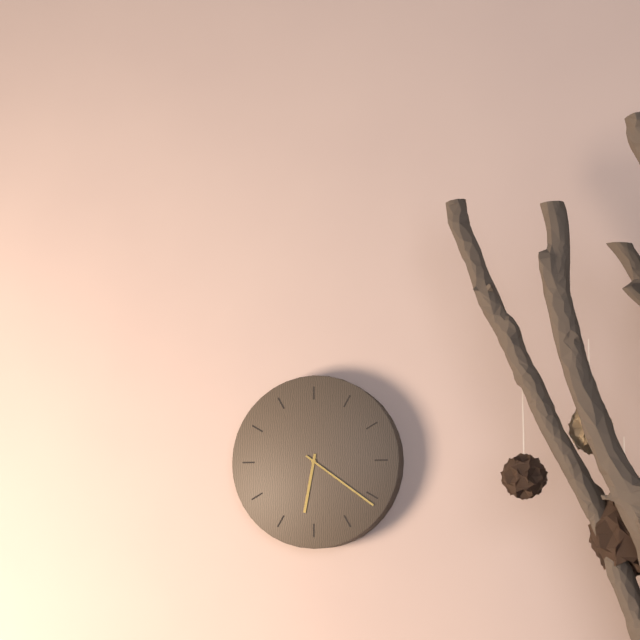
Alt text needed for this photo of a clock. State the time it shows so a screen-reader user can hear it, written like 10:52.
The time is 6:21
